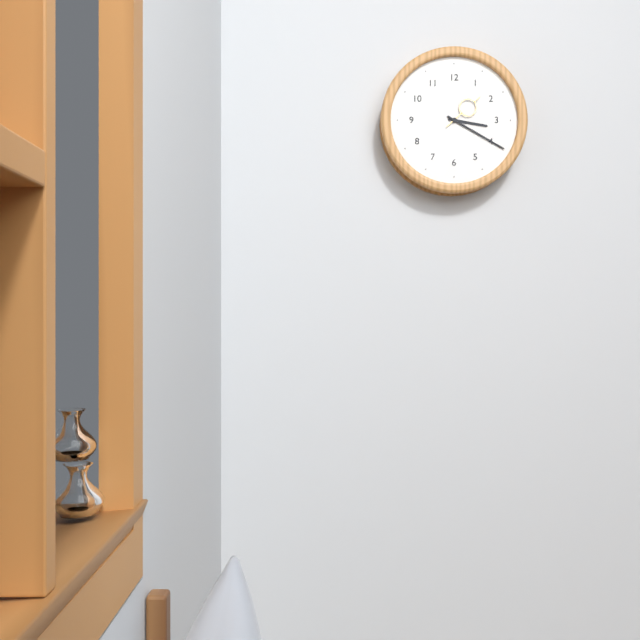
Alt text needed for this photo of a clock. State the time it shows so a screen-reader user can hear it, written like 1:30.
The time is 3:20
